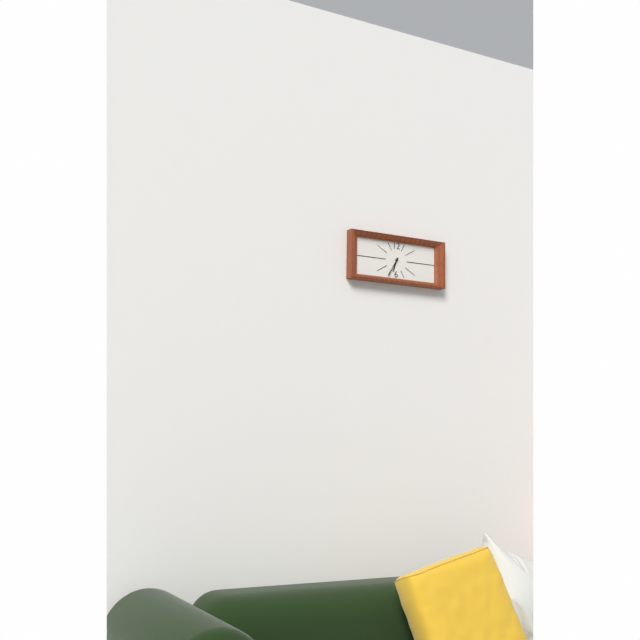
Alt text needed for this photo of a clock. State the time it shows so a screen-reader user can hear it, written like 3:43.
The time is 6:35
